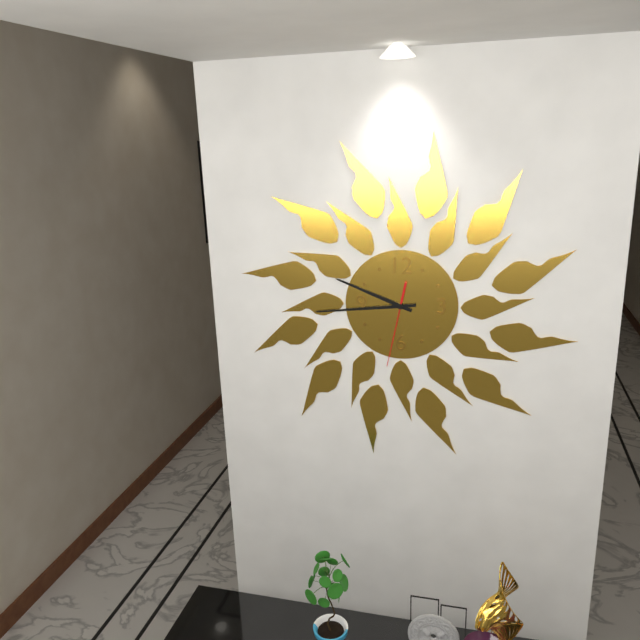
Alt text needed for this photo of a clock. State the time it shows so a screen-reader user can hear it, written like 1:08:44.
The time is 9:44:32
